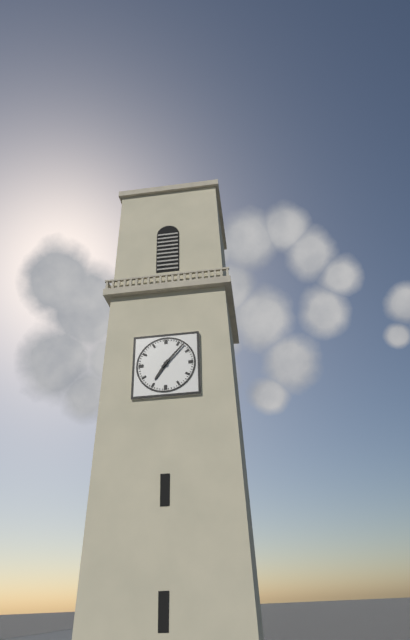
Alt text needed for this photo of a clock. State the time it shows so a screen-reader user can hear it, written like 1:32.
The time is 7:07
